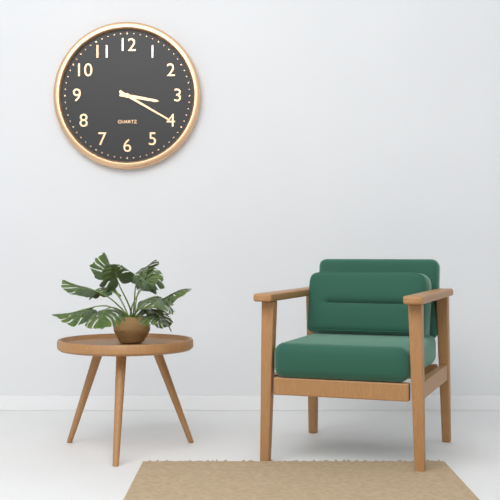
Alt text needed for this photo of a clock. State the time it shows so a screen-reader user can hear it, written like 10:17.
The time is 3:20
